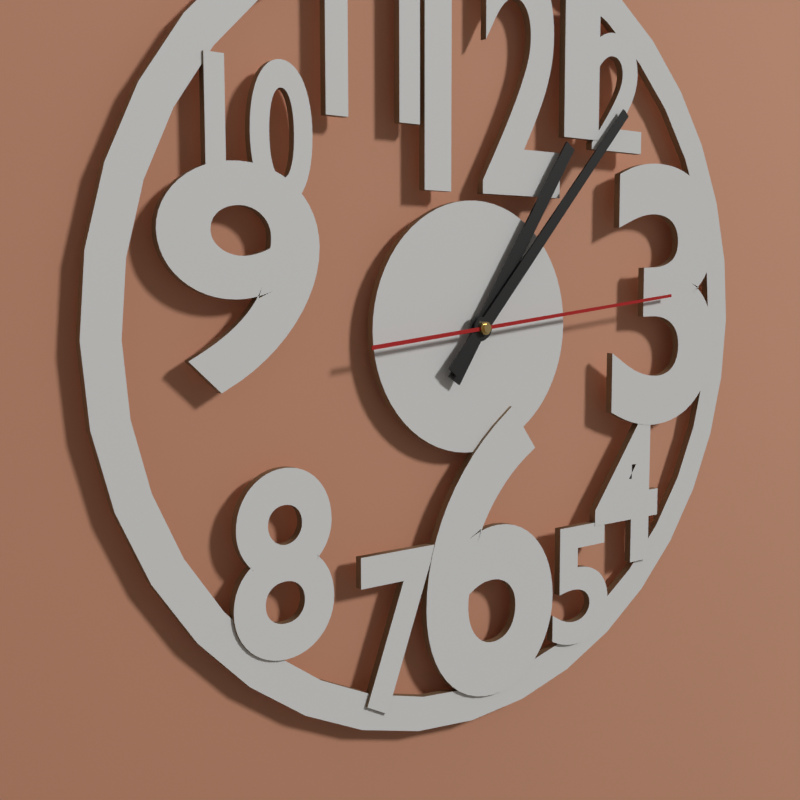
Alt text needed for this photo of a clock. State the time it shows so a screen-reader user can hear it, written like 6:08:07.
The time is 1:07:14
